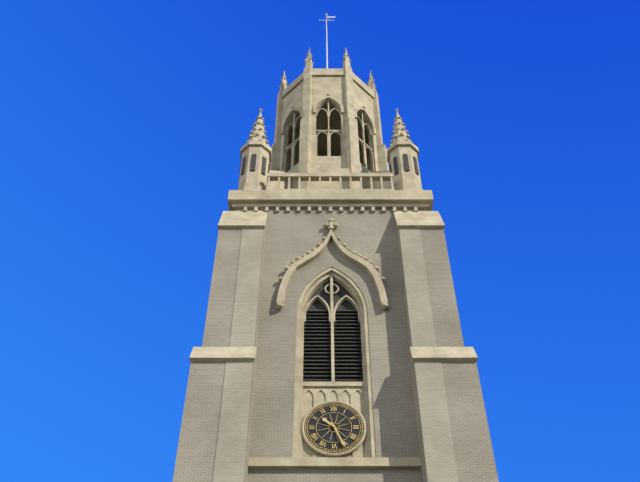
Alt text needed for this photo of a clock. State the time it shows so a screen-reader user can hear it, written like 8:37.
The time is 10:26
